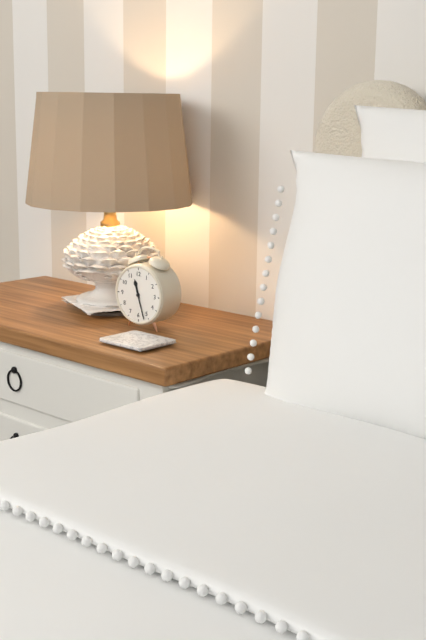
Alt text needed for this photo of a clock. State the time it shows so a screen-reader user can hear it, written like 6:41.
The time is 11:27
